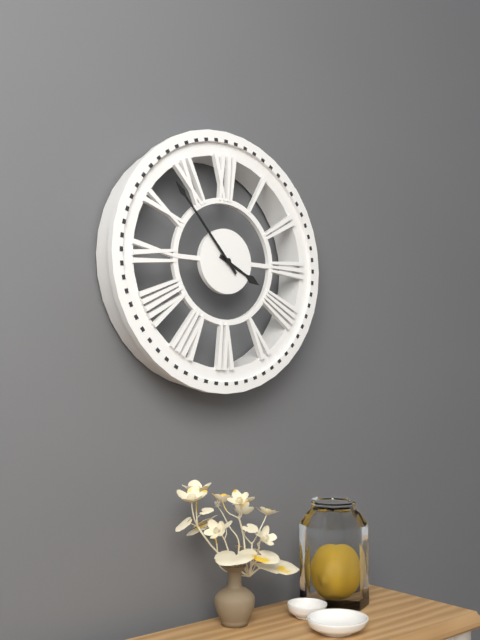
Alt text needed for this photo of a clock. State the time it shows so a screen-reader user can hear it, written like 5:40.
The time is 3:53
